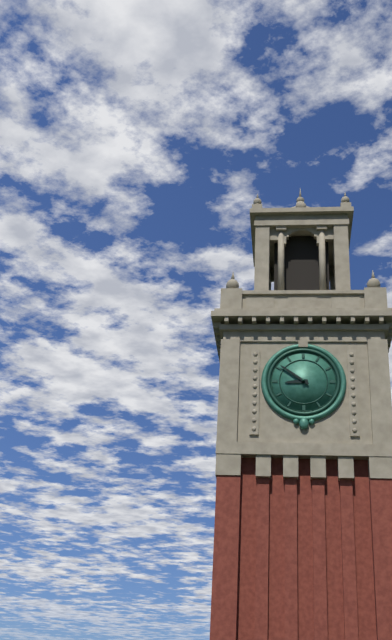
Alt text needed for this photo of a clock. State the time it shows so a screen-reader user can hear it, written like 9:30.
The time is 8:51
